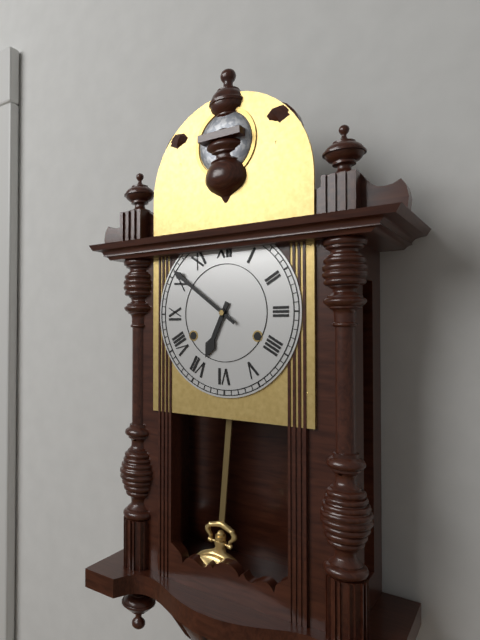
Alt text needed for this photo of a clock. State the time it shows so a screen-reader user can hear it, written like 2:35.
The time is 6:51
